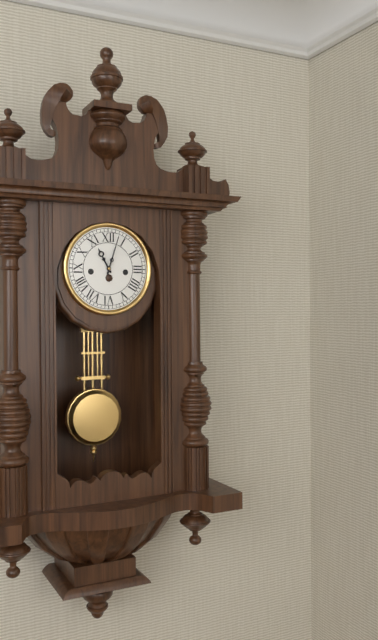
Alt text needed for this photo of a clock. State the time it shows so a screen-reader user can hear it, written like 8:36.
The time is 11:03
